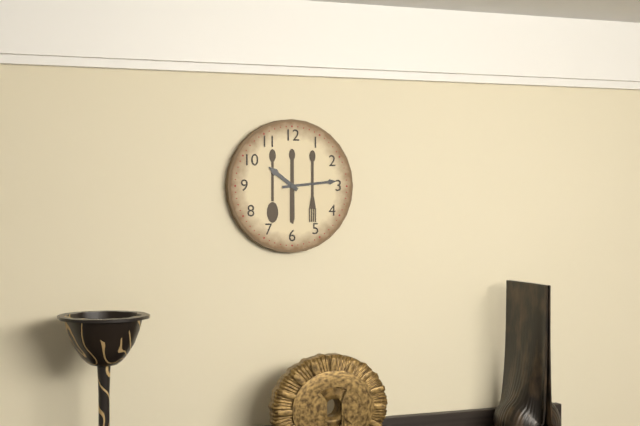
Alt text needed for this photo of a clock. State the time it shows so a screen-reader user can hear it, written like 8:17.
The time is 10:14
